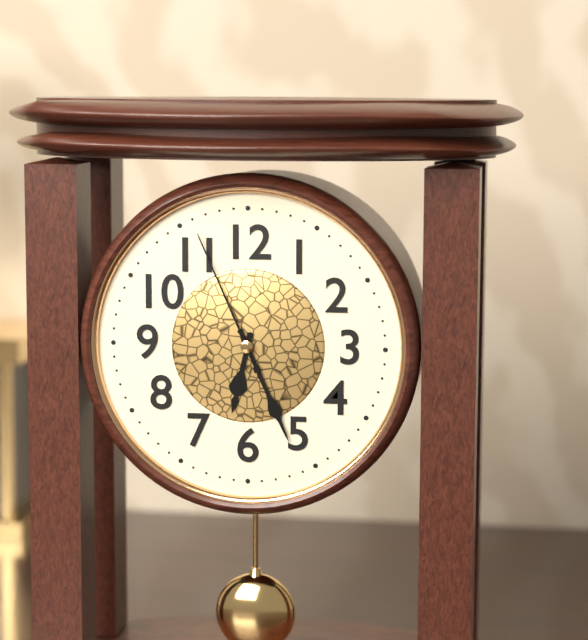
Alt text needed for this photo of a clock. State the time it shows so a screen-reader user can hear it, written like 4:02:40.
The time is 6:26:56
